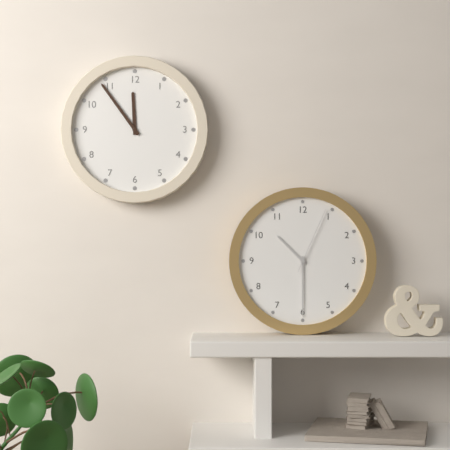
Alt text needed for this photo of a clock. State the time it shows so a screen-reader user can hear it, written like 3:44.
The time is 11:54
